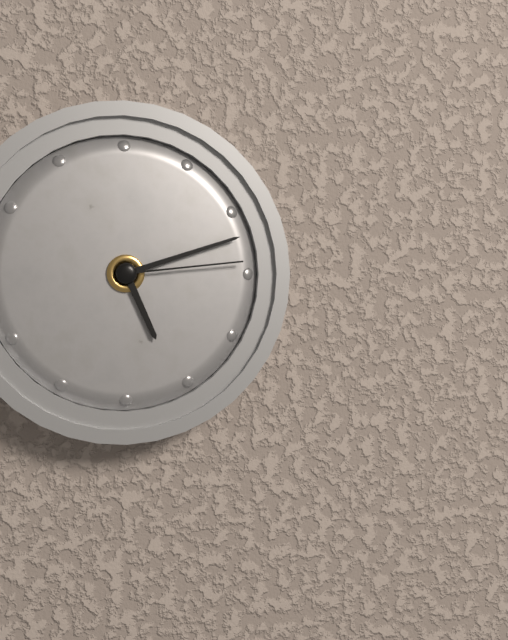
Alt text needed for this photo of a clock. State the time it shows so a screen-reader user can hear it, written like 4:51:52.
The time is 5:12:14
